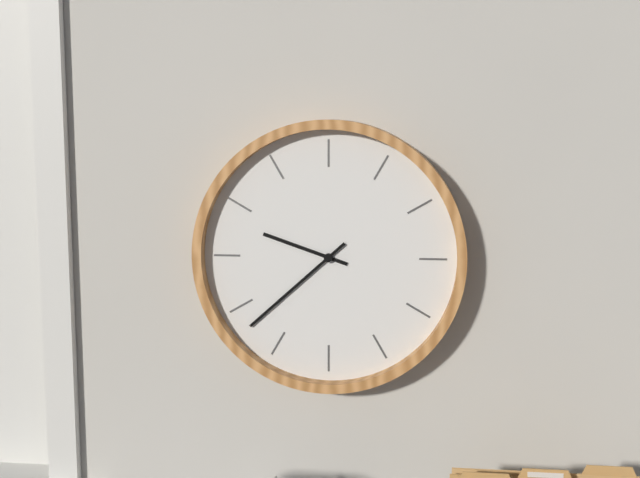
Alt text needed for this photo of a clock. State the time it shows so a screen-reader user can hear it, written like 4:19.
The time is 9:38
